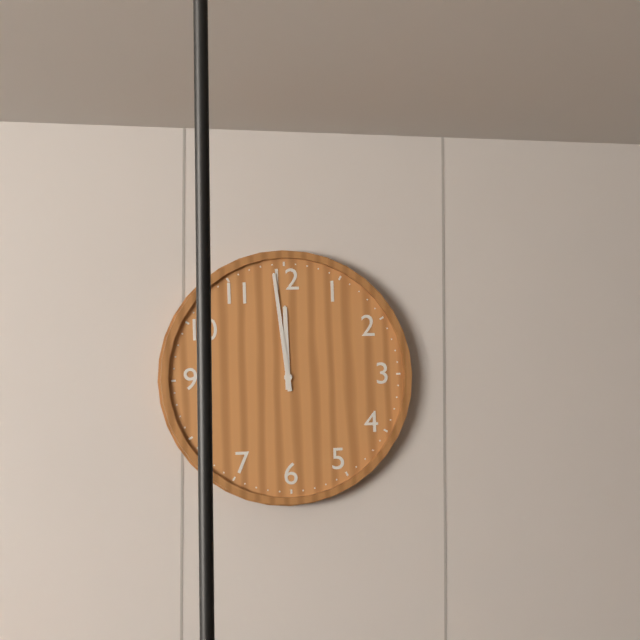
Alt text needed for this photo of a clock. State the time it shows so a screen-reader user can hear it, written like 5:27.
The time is 11:59
